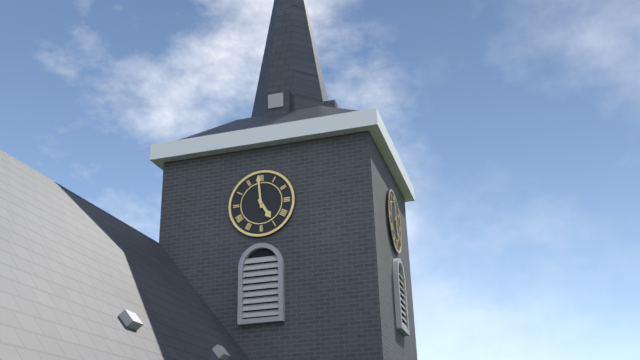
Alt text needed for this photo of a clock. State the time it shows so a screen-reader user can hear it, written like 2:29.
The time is 4:59
